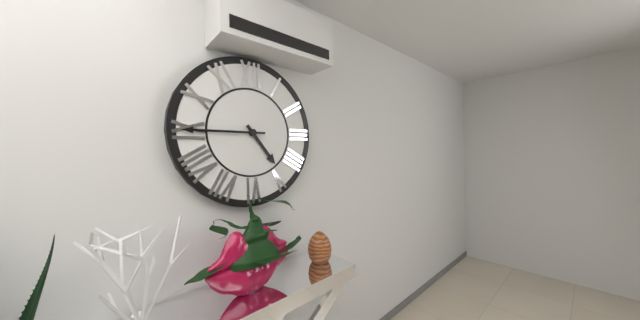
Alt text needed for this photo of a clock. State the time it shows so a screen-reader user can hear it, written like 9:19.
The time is 4:45
